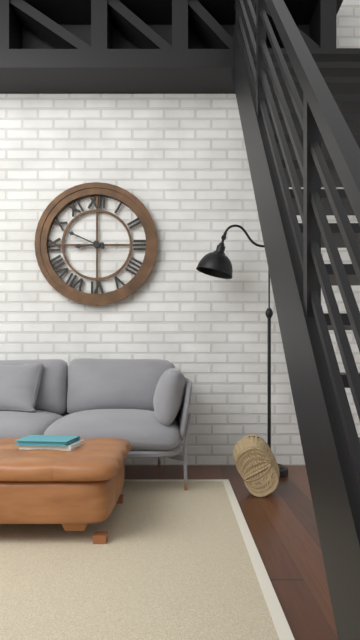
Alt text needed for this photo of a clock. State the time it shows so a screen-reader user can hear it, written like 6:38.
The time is 8:49
